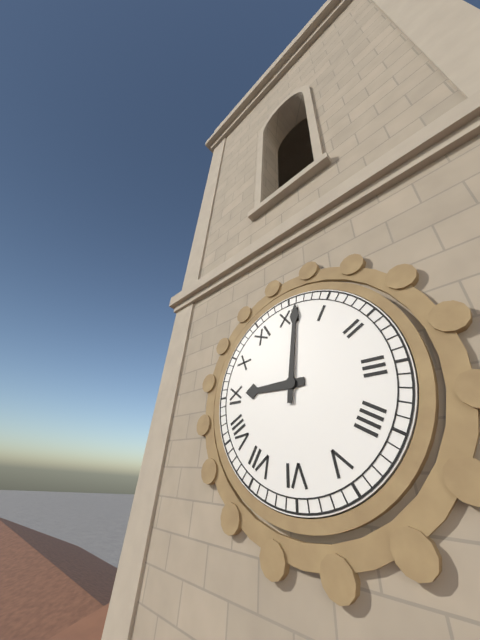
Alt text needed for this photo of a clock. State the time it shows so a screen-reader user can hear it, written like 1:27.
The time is 9:01
